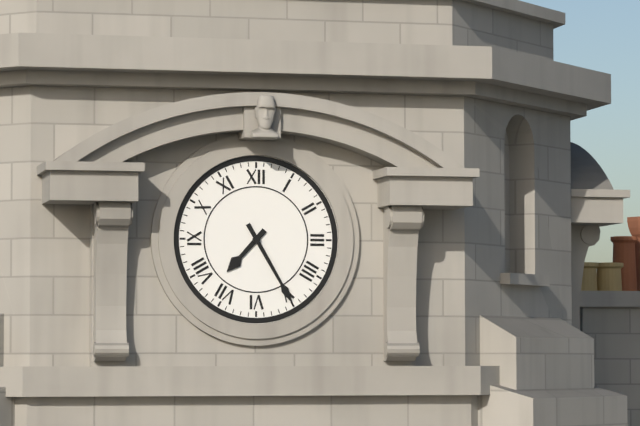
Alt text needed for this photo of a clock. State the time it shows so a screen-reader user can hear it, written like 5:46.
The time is 7:25
